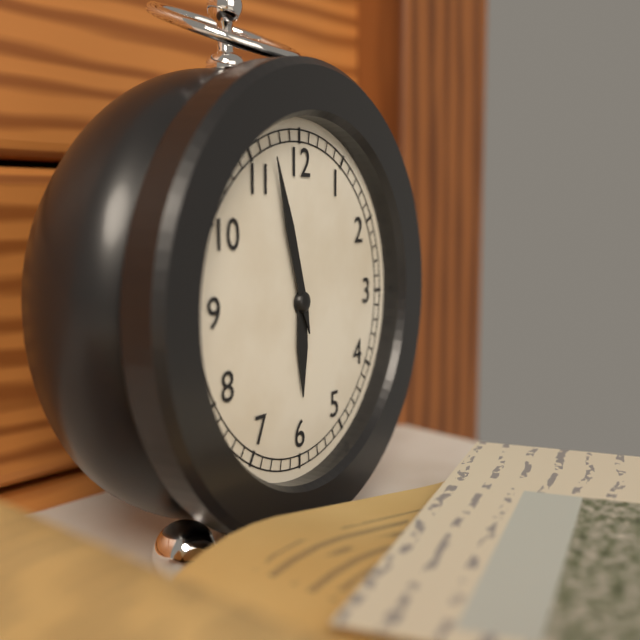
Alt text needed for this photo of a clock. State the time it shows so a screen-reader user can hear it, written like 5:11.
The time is 5:57
